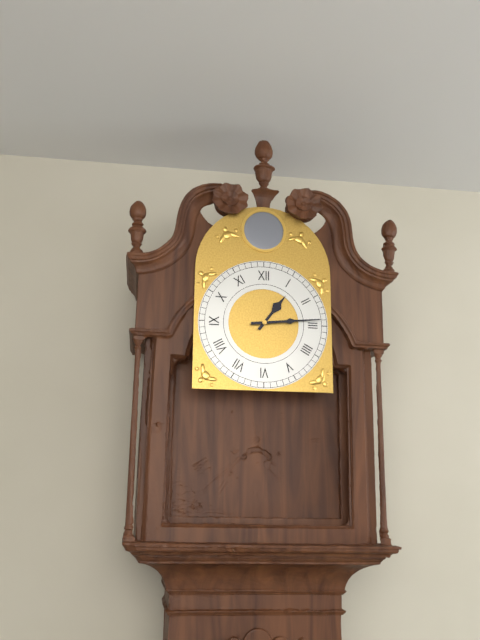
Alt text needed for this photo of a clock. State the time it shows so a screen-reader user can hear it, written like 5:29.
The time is 1:14
